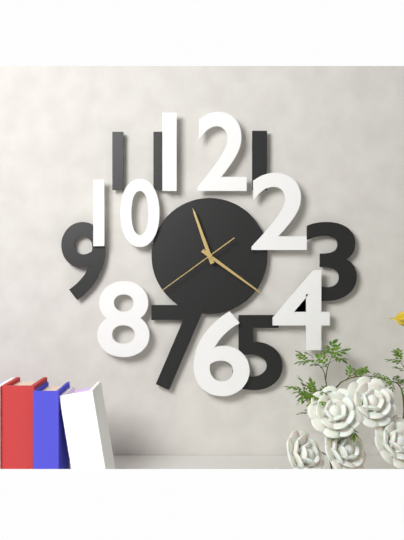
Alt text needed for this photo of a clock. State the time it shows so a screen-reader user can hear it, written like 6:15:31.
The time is 11:21:39
